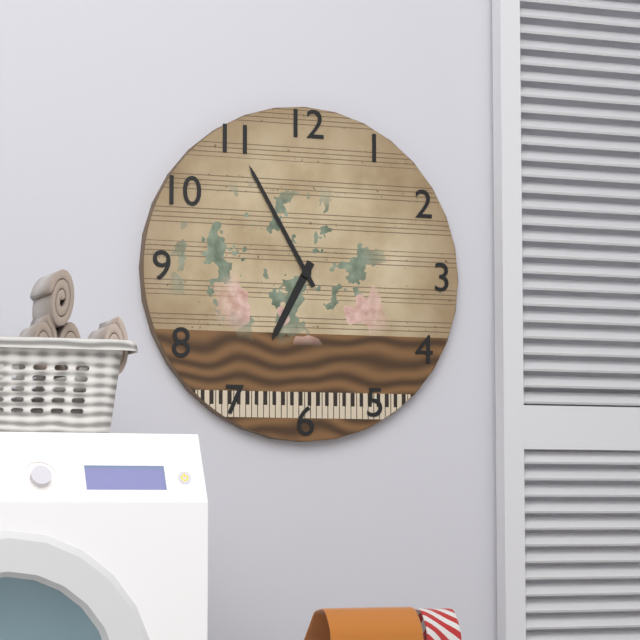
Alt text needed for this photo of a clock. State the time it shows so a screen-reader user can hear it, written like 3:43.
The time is 6:55
